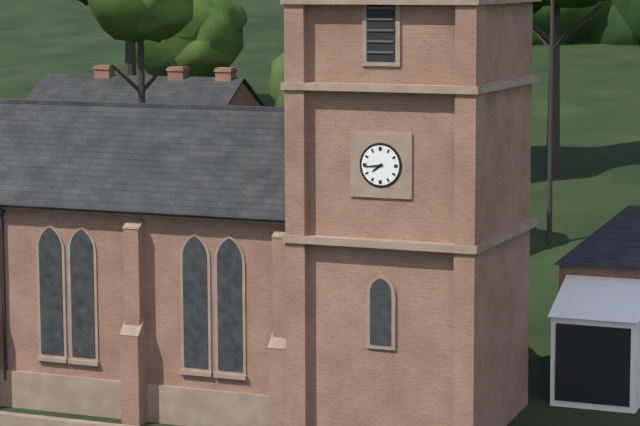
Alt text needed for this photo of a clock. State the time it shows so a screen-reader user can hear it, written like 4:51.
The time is 7:44
